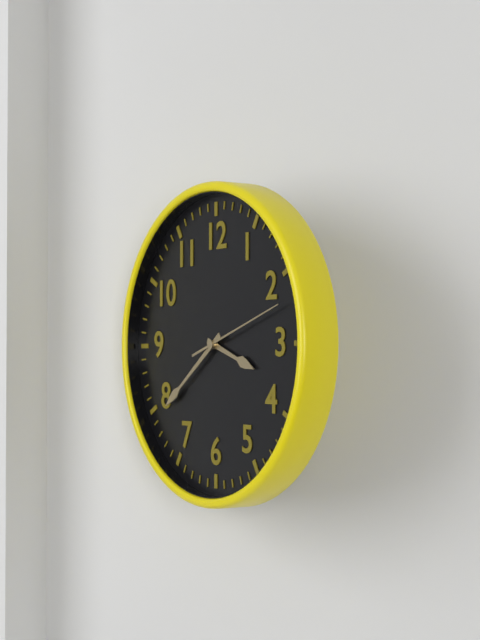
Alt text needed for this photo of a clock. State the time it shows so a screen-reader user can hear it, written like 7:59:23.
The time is 3:39:12
